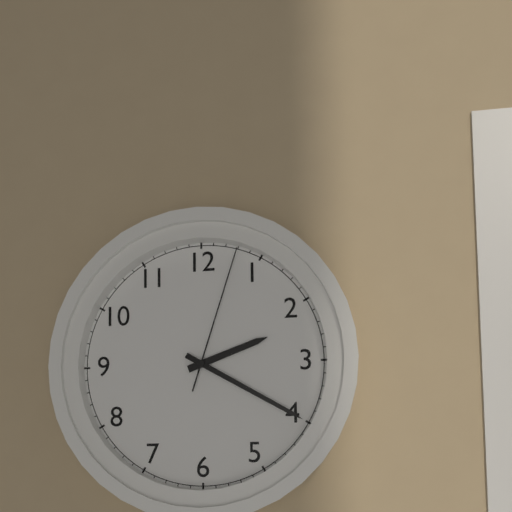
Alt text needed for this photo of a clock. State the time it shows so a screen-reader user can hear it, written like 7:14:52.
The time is 2:20:03
